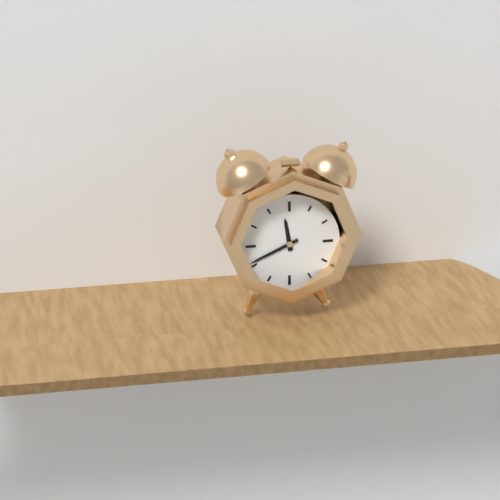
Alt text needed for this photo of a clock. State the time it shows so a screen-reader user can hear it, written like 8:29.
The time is 11:41
